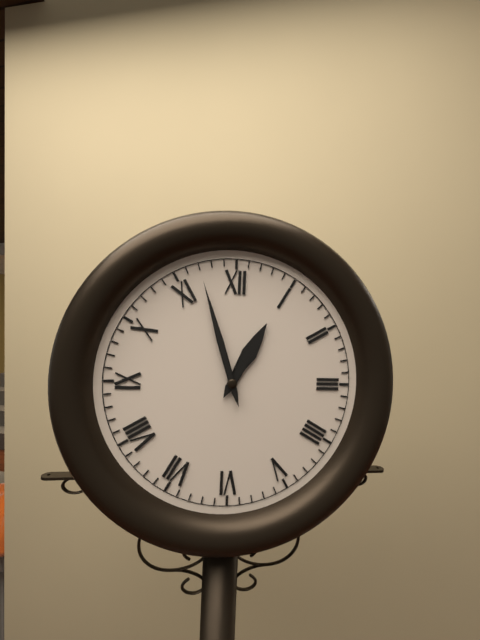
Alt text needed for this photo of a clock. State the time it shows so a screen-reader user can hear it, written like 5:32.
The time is 12:57
